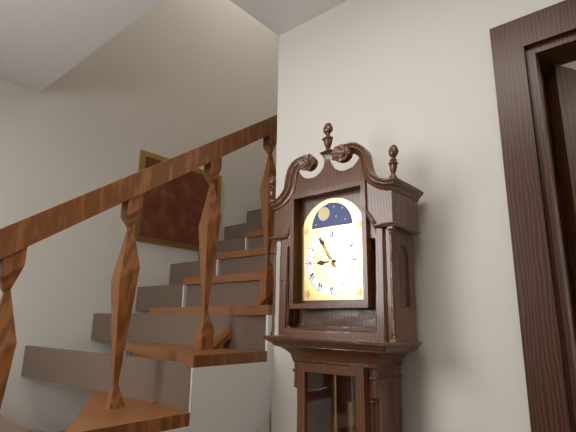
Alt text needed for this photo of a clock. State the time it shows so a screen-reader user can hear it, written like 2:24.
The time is 8:55
